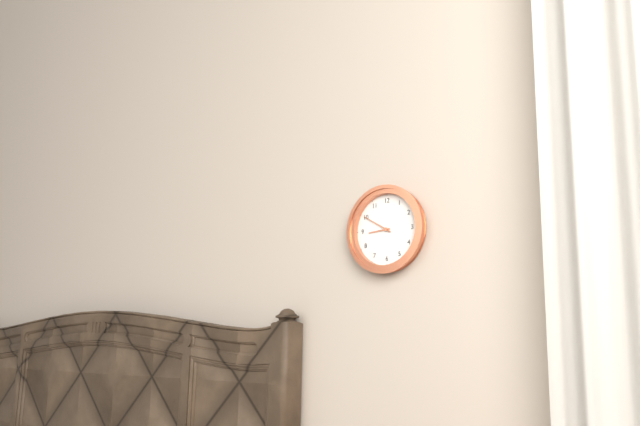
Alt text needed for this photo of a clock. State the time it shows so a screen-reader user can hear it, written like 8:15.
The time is 8:50
